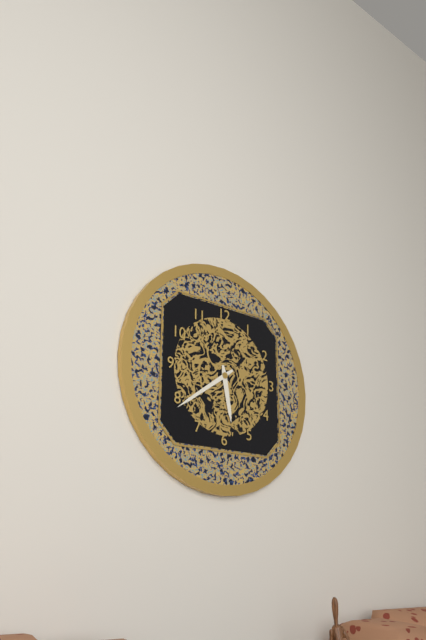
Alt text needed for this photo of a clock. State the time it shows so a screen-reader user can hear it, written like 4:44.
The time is 5:39
